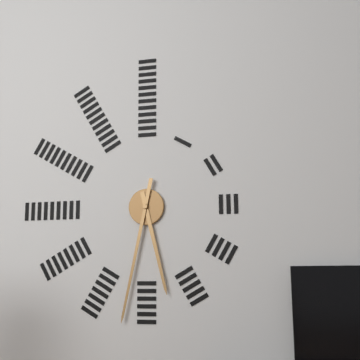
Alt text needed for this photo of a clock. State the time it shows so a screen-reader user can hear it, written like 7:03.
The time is 5:32
